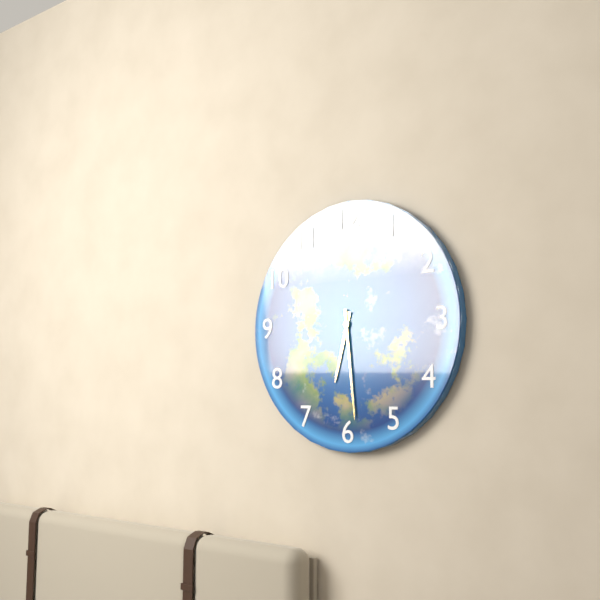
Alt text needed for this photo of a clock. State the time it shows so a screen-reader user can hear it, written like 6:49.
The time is 6:29
